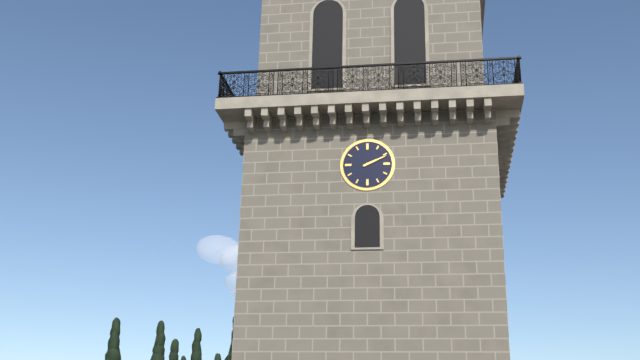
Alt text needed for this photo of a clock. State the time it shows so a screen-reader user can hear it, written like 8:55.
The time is 2:11
